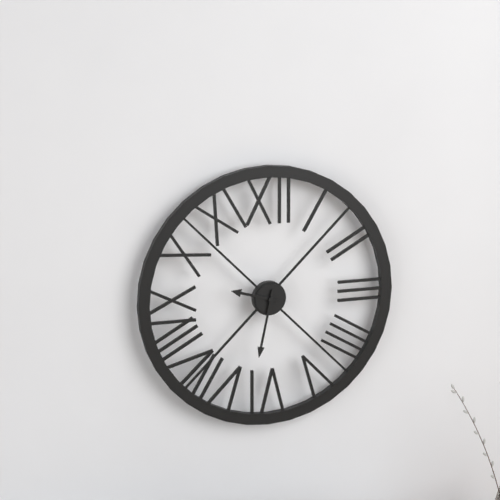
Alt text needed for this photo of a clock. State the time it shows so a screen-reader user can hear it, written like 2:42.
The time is 9:32
